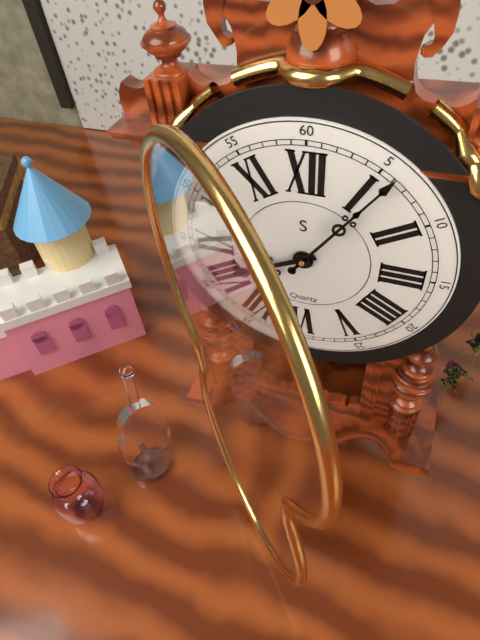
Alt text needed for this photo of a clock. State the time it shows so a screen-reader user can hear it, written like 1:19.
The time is 8:06
